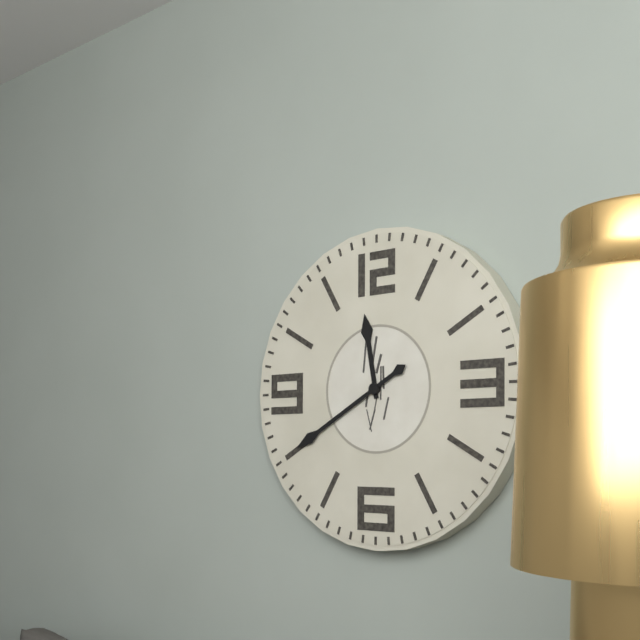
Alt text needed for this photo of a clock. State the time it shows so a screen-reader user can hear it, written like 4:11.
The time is 11:40
